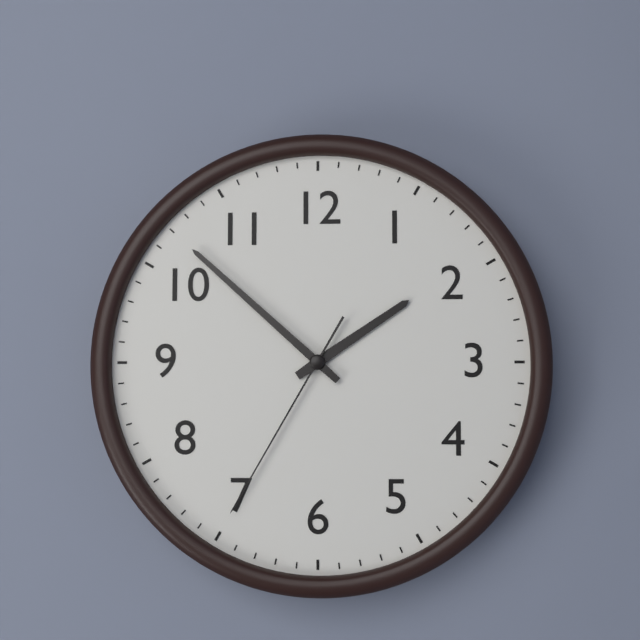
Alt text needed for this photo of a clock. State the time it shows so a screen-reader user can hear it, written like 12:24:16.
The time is 1:52:35
